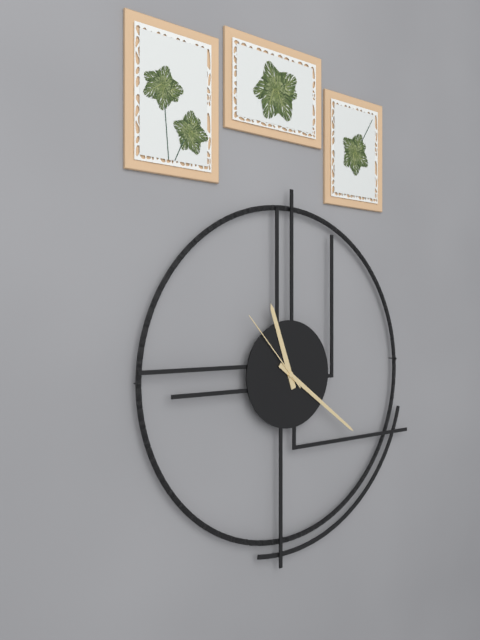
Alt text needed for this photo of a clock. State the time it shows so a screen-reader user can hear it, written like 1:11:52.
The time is 11:21:53
